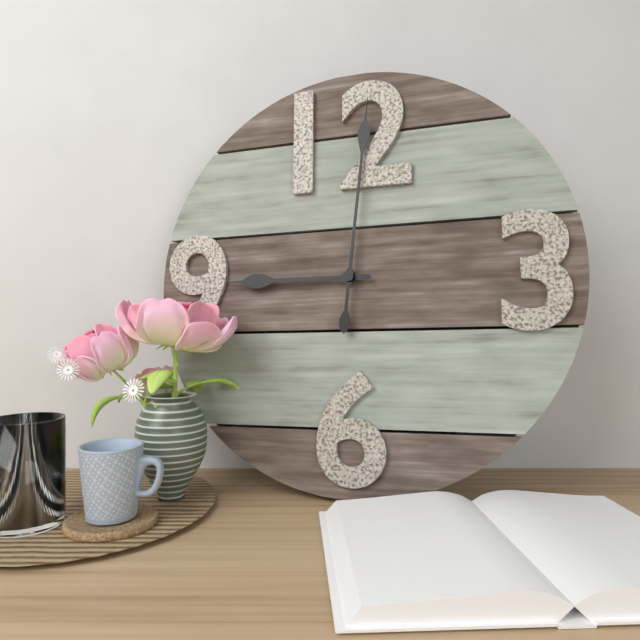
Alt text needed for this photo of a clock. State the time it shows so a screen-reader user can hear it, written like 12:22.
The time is 9:01
